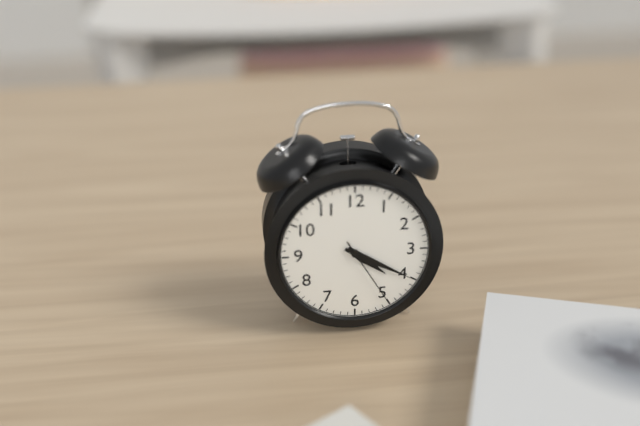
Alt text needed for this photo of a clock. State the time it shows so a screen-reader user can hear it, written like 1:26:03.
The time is 4:20:25
